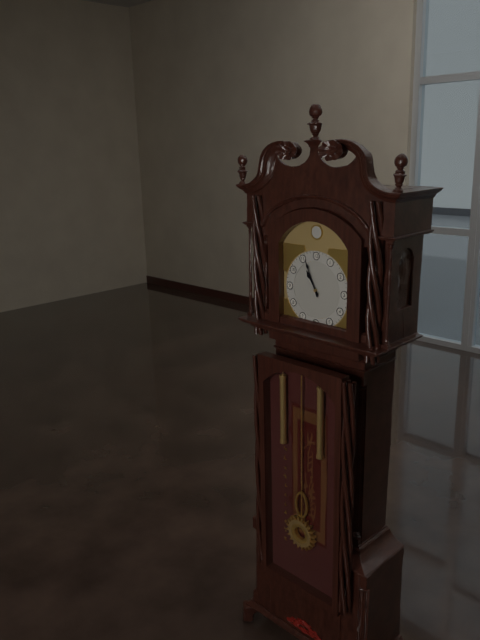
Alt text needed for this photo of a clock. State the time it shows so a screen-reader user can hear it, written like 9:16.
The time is 10:56
